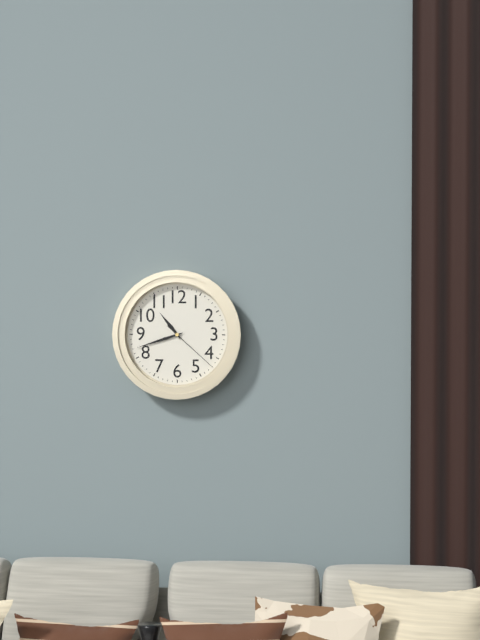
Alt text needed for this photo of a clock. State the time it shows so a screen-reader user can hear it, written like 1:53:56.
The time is 10:42:22
